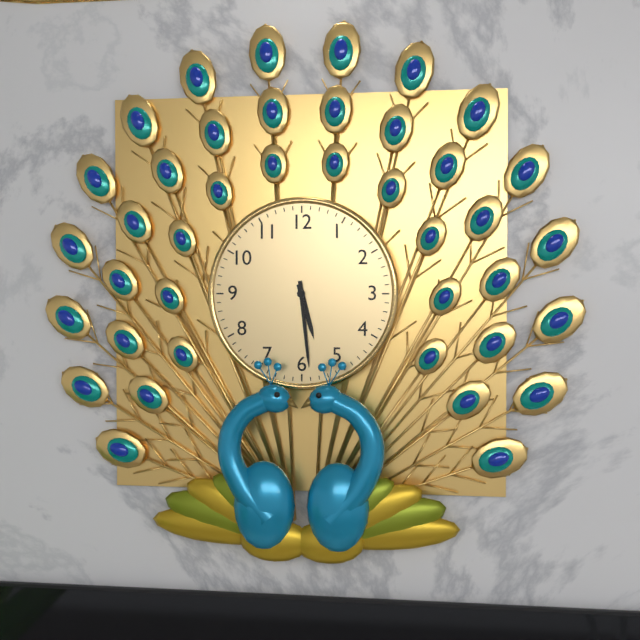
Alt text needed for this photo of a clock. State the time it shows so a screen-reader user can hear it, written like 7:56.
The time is 5:29
